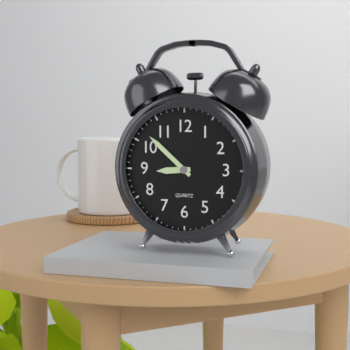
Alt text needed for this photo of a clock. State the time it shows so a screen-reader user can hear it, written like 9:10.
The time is 8:52
